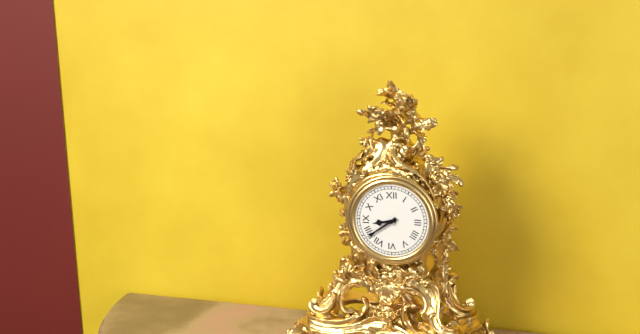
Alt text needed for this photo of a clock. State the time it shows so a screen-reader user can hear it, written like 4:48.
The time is 8:39
